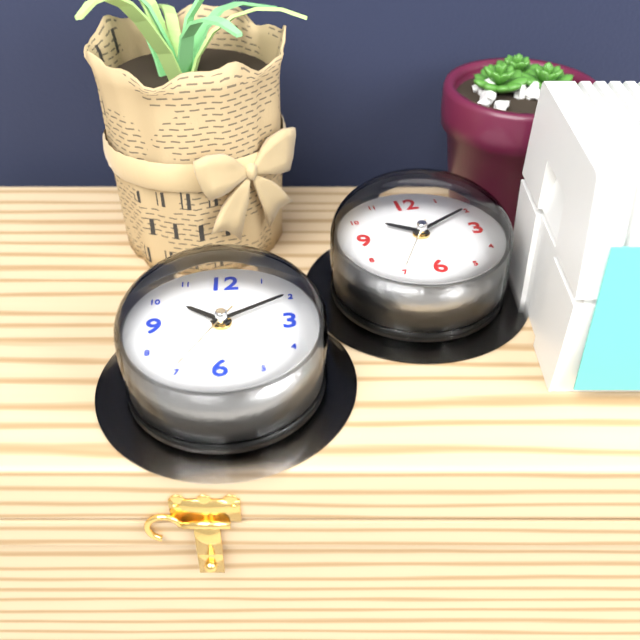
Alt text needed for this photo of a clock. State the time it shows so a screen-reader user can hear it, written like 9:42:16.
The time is 10:10:35
